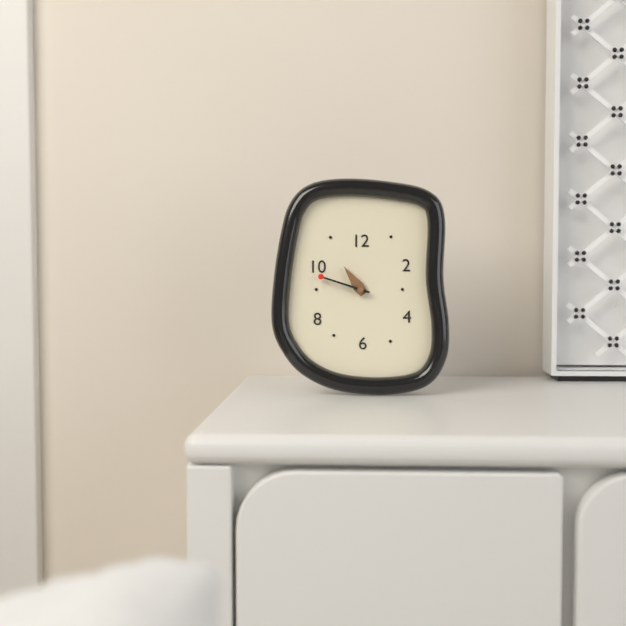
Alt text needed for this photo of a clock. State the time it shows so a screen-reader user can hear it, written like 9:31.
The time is 10:48
